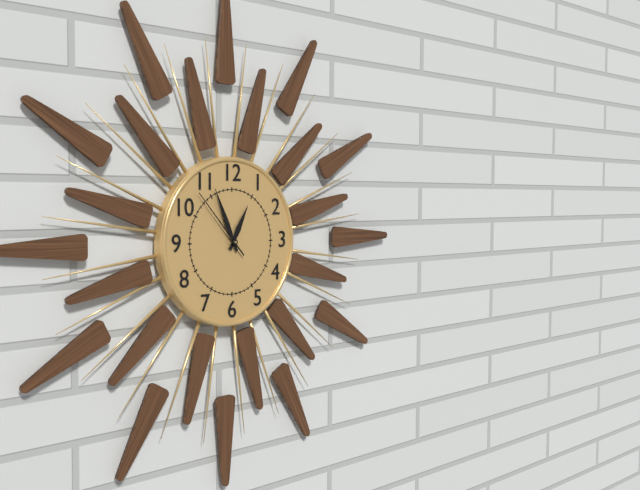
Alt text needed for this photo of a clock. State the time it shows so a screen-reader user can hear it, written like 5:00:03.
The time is 12:56:53
